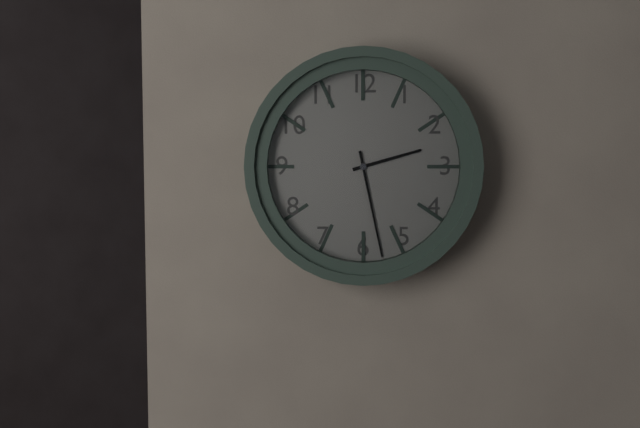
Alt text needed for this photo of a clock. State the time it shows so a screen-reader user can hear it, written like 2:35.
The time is 2:28
